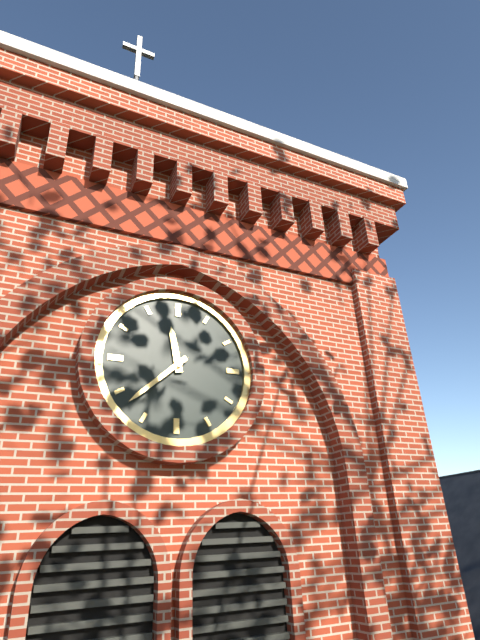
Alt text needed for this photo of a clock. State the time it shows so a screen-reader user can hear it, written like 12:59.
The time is 11:38
